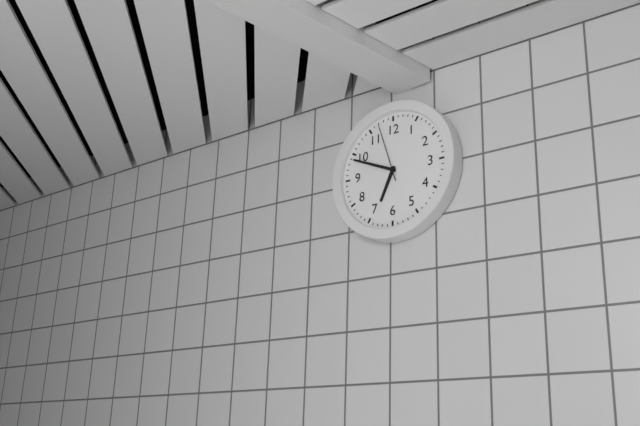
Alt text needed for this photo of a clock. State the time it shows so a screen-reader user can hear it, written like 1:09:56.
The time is 6:49:57
